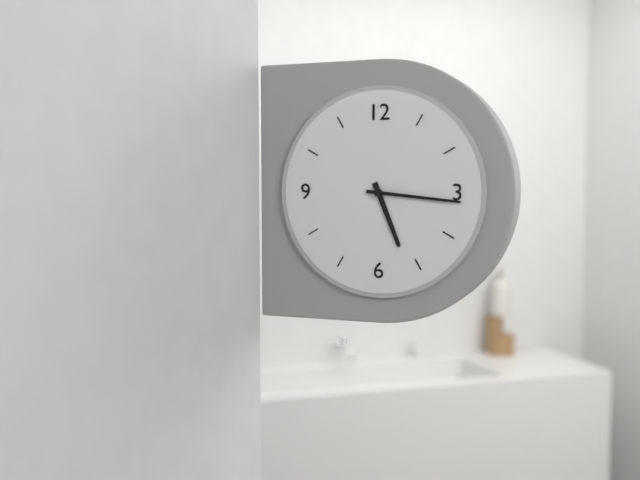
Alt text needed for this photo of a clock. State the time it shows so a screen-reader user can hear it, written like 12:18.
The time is 5:16
